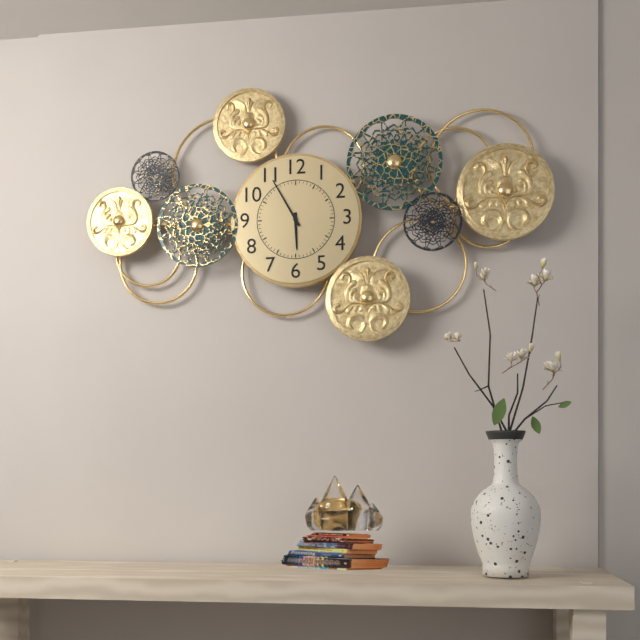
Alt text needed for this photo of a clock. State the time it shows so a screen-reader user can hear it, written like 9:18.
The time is 5:55
